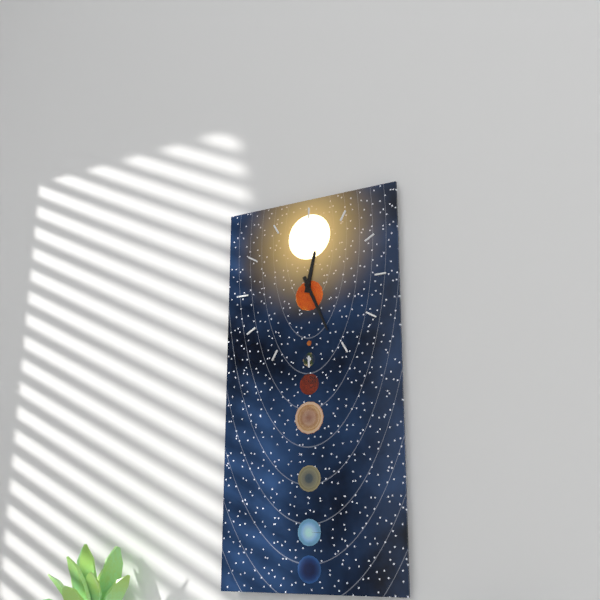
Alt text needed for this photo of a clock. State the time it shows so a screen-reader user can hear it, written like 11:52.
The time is 12:26
